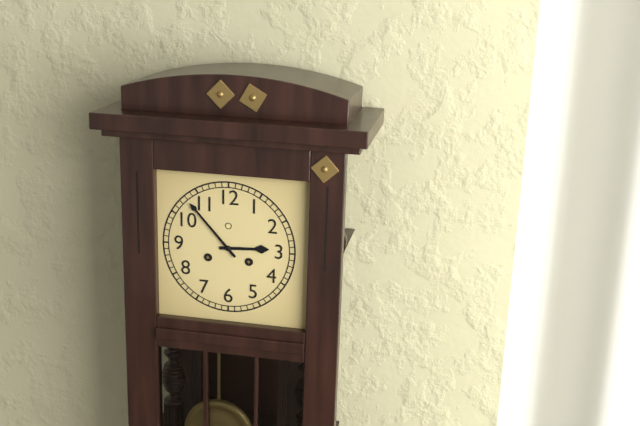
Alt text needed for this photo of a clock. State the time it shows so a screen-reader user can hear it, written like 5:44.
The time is 2:53
